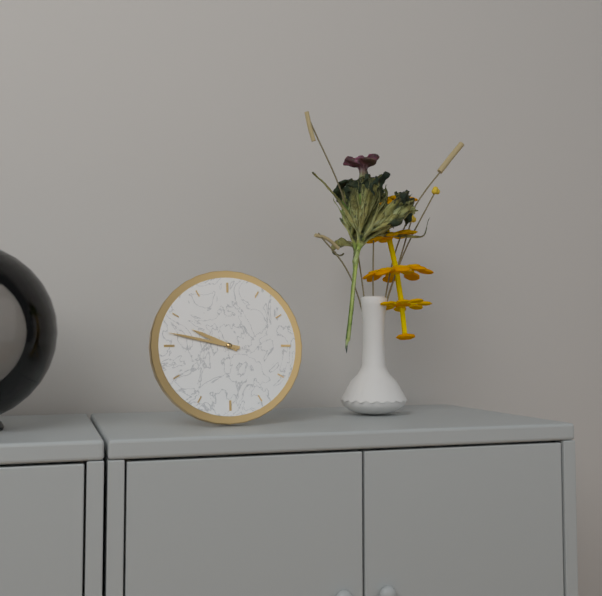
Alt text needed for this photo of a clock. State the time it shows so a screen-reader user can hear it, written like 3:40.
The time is 9:47
